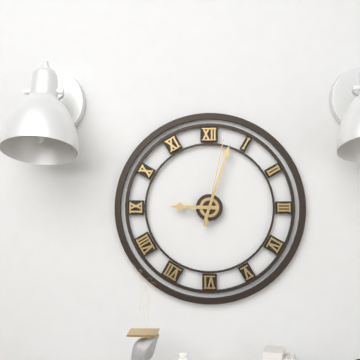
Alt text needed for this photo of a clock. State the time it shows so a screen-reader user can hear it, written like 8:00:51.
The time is 9:03:02
